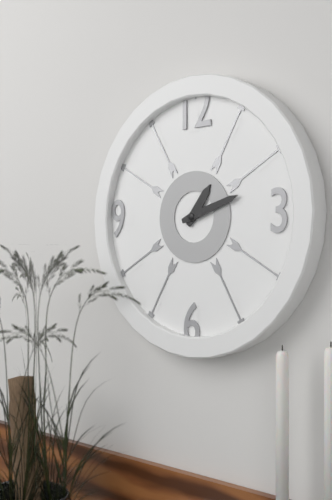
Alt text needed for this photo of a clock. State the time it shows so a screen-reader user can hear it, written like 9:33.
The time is 1:12
